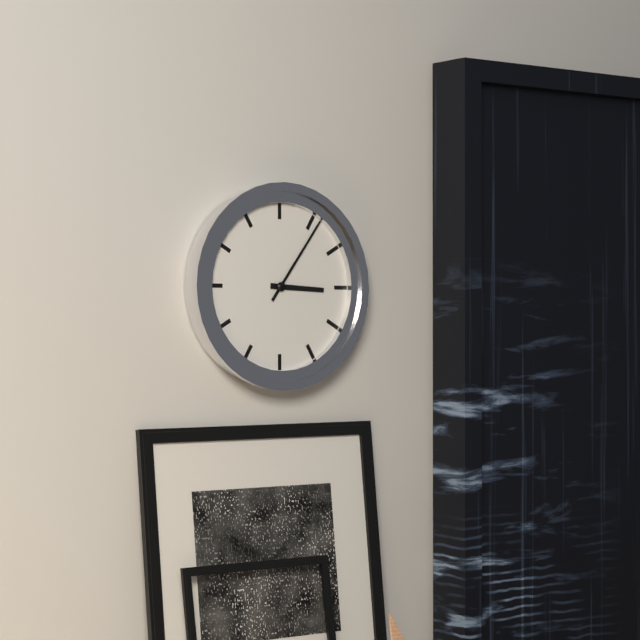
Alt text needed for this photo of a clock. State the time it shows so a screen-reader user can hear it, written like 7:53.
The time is 3:06
